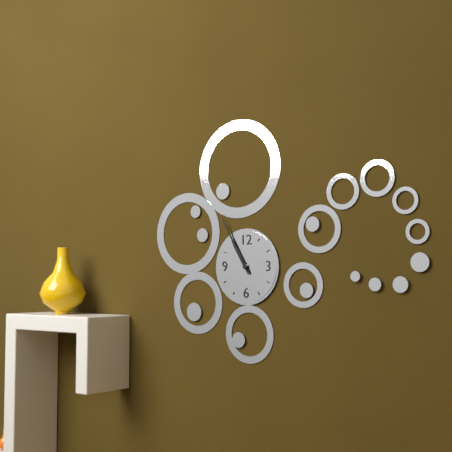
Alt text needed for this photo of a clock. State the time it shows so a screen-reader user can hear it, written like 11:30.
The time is 10:55
